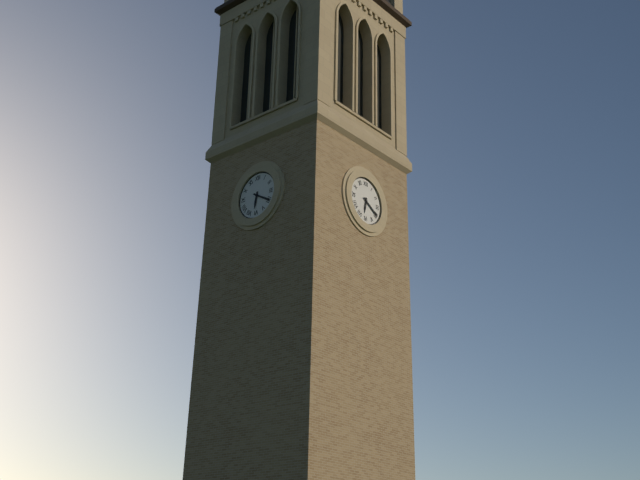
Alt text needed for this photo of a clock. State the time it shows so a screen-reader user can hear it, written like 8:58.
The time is 6:20
